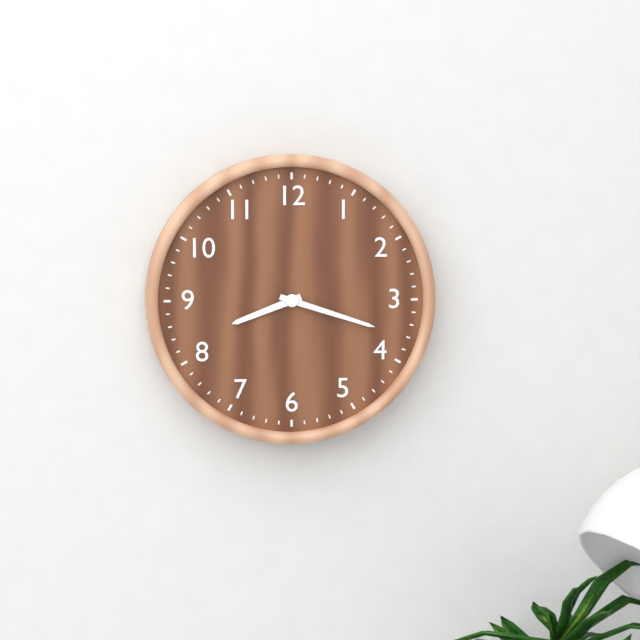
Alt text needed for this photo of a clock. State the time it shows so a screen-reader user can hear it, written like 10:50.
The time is 8:18
